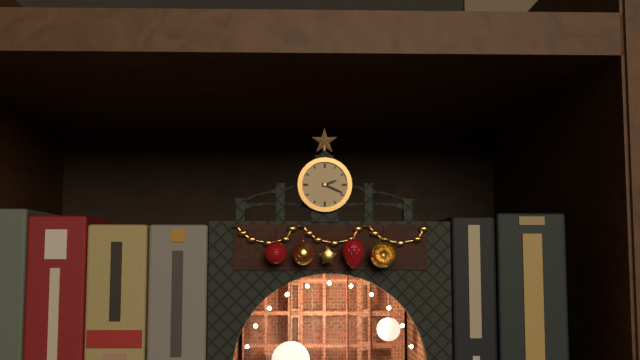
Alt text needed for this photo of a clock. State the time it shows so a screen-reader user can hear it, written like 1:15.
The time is 2:19
